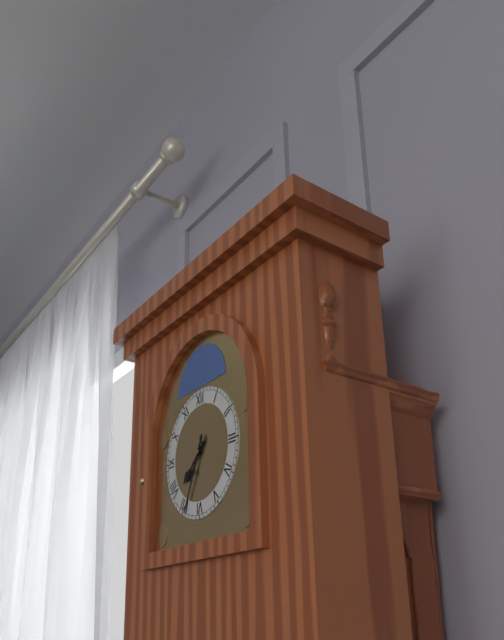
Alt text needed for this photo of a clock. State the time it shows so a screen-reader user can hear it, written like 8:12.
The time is 7:34
